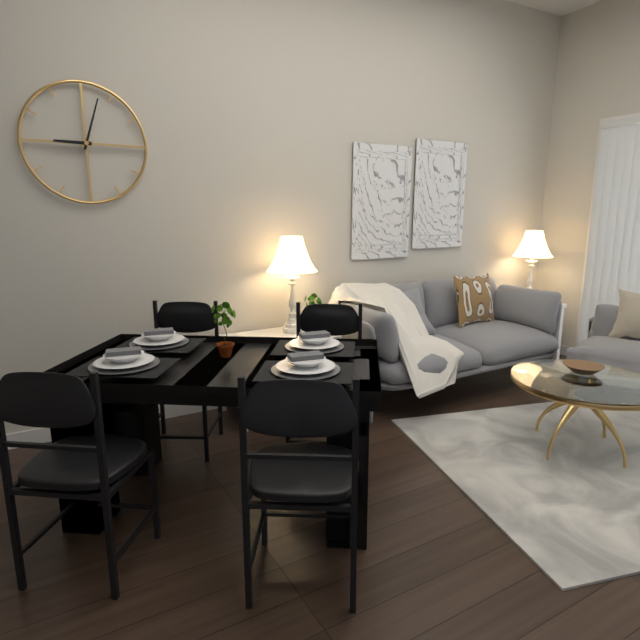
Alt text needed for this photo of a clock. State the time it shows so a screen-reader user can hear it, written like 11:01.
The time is 9:03
